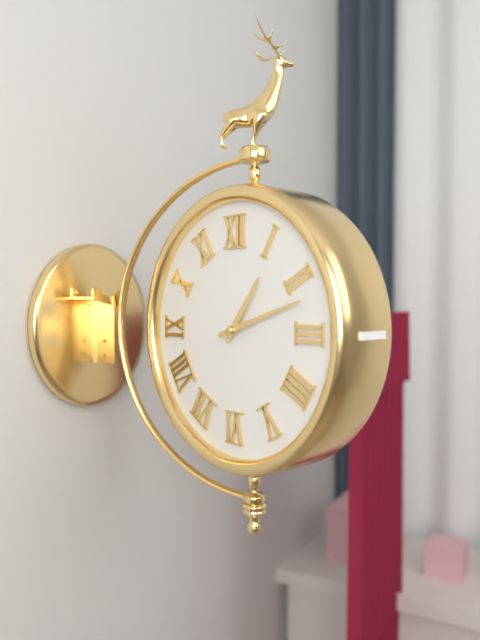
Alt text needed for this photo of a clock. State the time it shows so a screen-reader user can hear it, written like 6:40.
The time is 1:12
